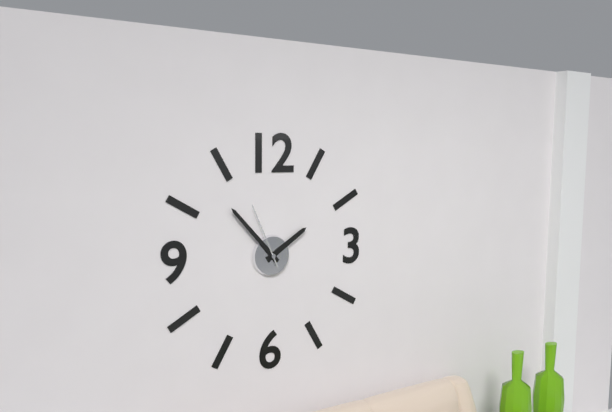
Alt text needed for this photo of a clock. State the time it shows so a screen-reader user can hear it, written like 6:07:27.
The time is 1:53:56
